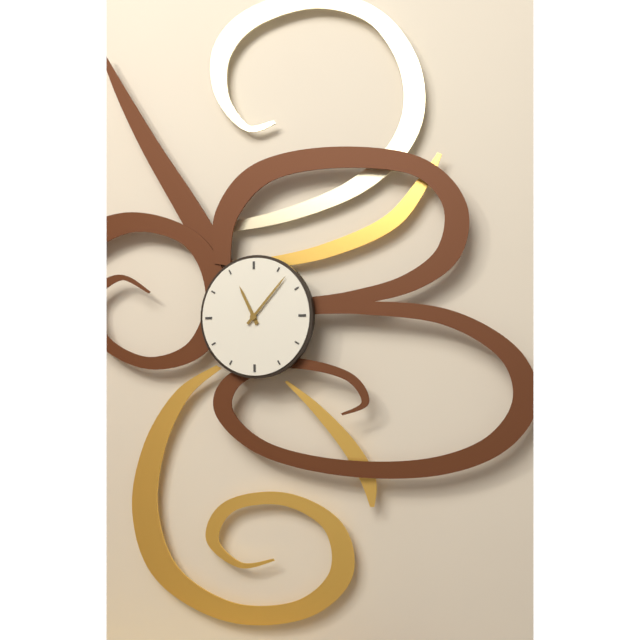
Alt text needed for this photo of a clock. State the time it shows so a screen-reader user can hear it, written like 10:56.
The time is 11:07
